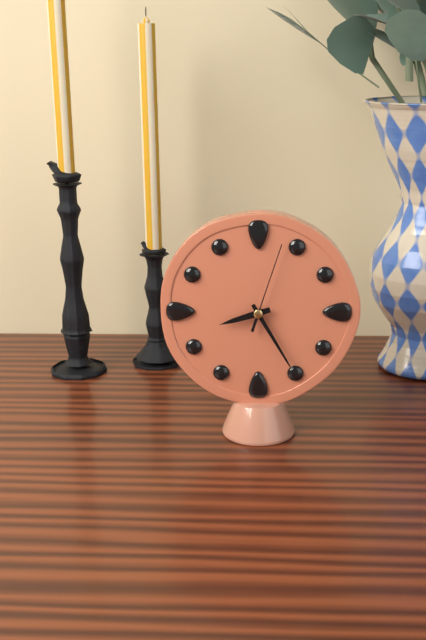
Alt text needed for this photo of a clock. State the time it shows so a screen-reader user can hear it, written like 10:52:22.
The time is 8:25:03
